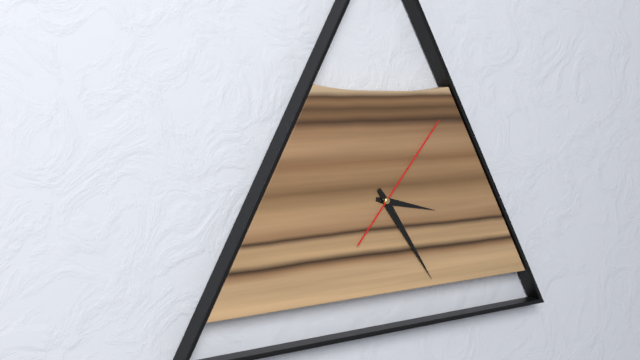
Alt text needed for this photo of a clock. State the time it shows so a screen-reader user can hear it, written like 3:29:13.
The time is 3:24:07
